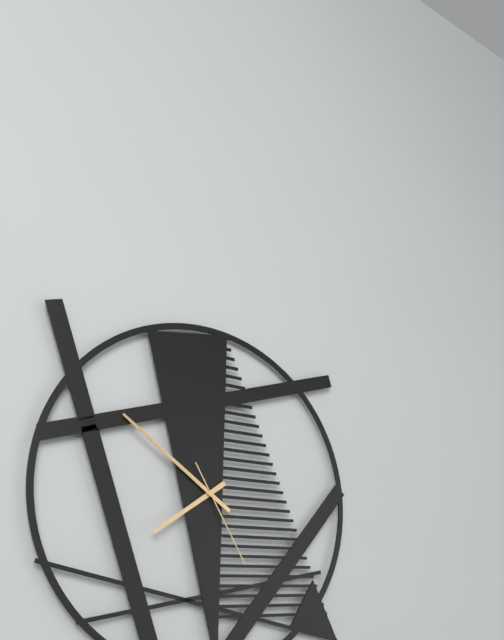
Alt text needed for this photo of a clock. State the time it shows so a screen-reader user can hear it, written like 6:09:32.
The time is 7:51:25
